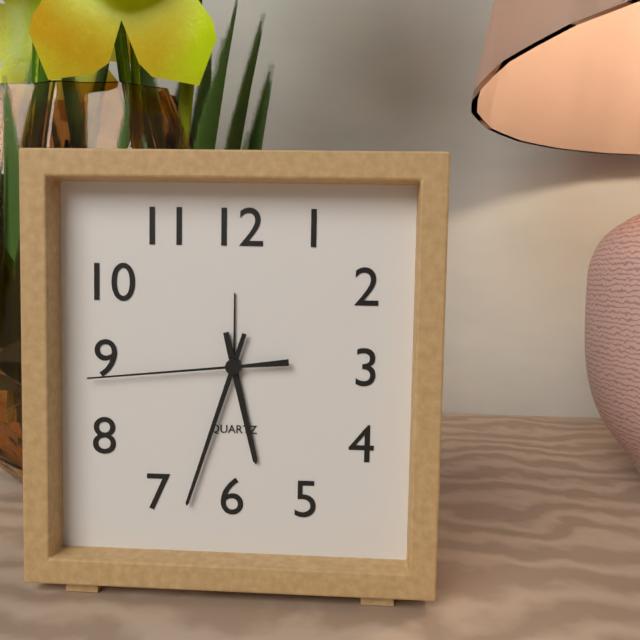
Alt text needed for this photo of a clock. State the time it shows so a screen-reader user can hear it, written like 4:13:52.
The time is 5:33:44
